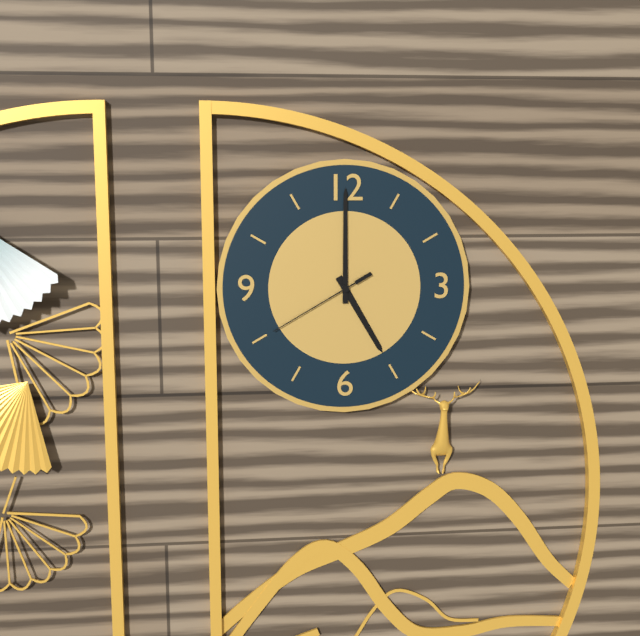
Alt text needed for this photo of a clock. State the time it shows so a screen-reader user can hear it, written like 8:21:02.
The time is 5:00:40
